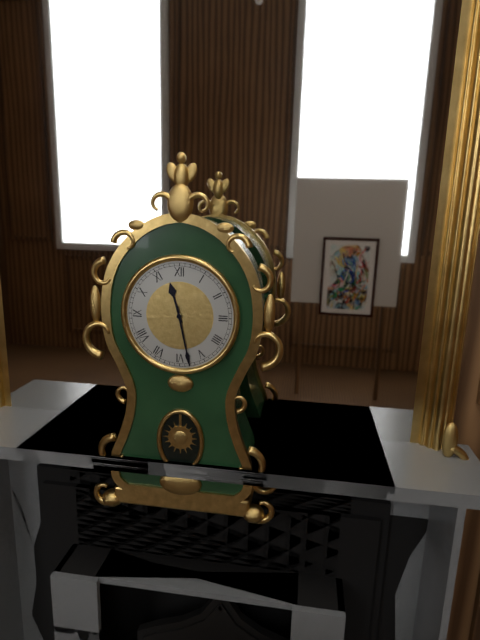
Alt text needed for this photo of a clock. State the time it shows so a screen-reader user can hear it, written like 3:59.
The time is 11:28
